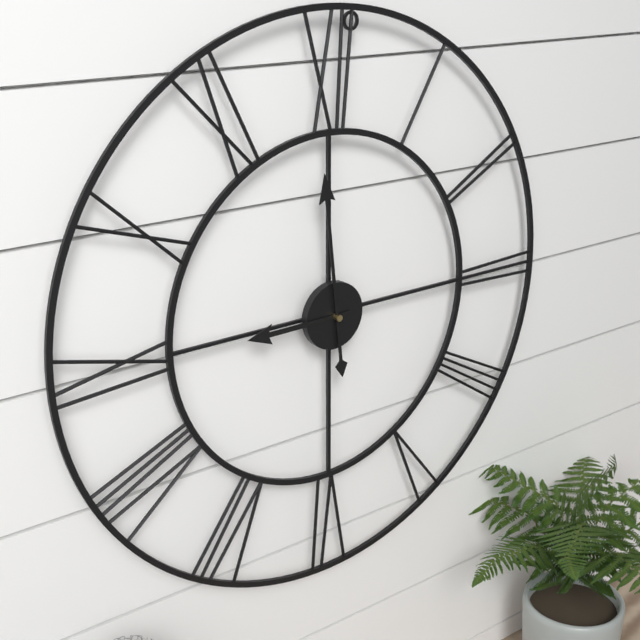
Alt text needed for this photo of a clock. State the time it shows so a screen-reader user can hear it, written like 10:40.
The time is 8:59
